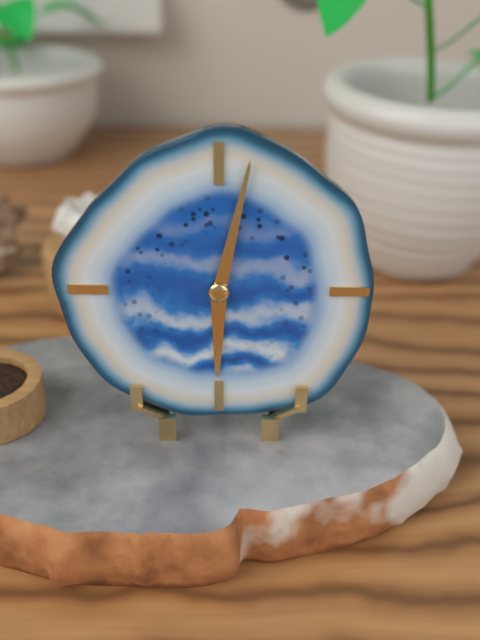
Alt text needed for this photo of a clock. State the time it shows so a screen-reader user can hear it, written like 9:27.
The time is 6:02
